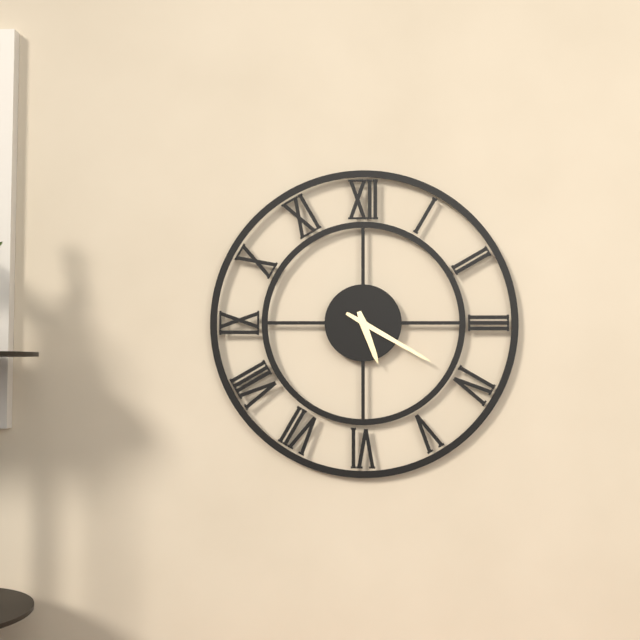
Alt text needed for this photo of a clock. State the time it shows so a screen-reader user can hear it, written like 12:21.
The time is 5:20
